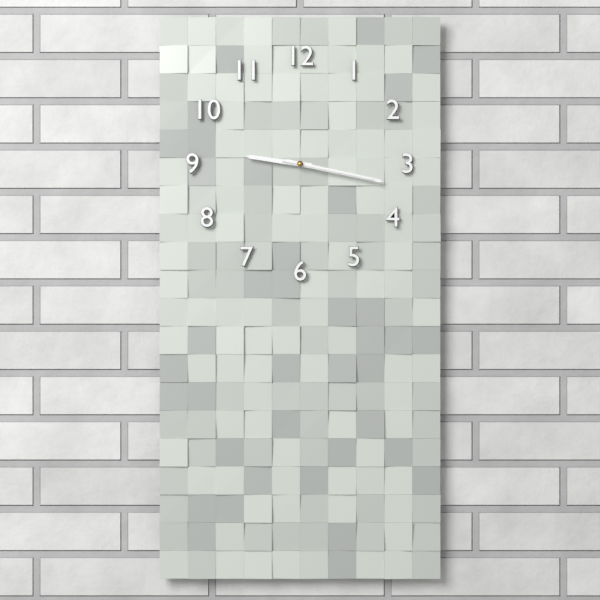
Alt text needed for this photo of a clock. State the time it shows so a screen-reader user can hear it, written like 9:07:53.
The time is 9:17:17
